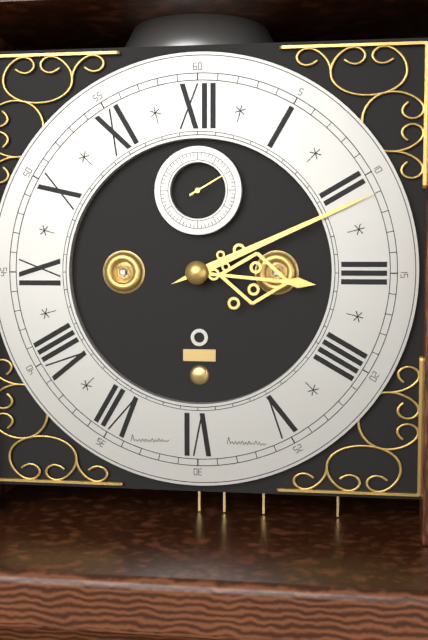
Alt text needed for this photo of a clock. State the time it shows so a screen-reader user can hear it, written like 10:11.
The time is 3:11
